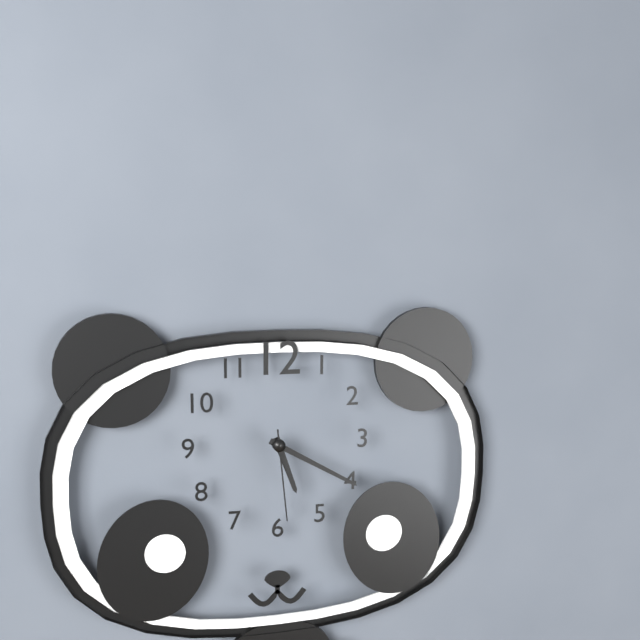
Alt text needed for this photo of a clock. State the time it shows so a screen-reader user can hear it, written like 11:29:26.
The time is 5:20:29
